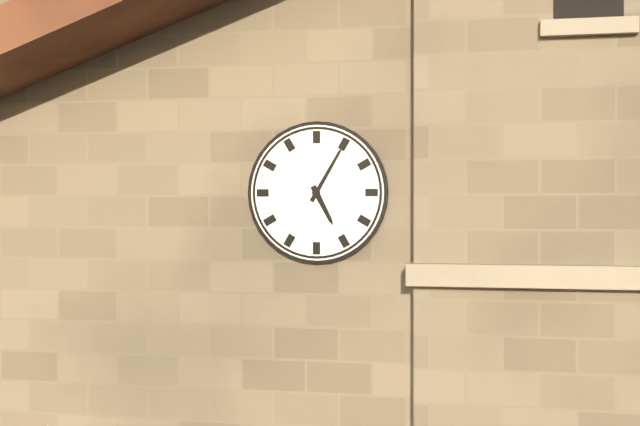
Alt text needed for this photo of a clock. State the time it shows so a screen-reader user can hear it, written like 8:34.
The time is 5:05
